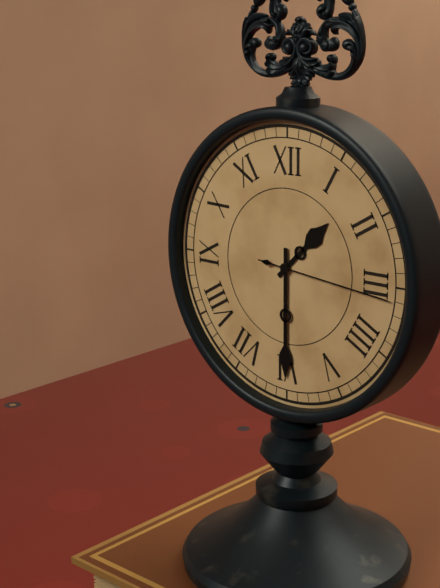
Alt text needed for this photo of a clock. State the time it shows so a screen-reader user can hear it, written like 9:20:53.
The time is 1:30:16
